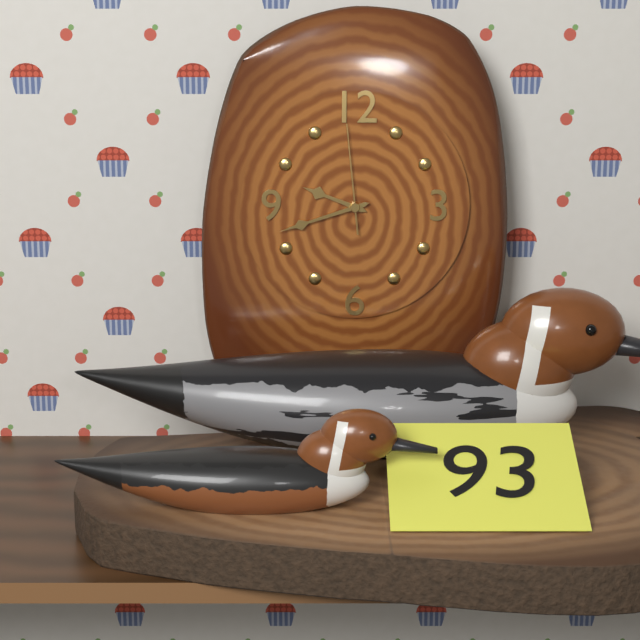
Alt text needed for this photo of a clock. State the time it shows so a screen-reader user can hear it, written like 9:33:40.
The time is 9:42:59
